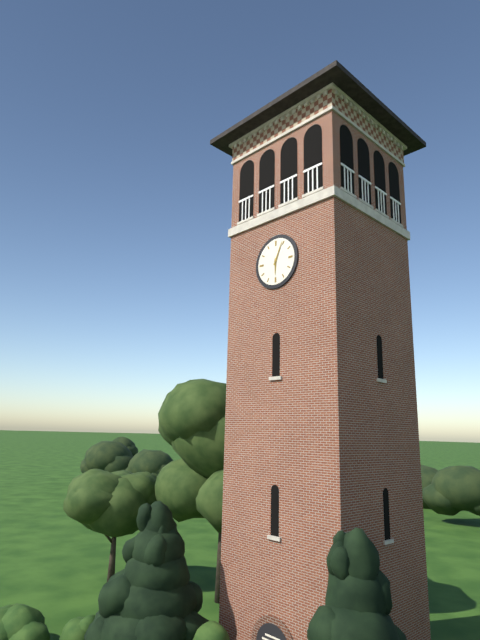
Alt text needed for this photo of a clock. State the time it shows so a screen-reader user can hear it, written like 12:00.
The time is 6:04
